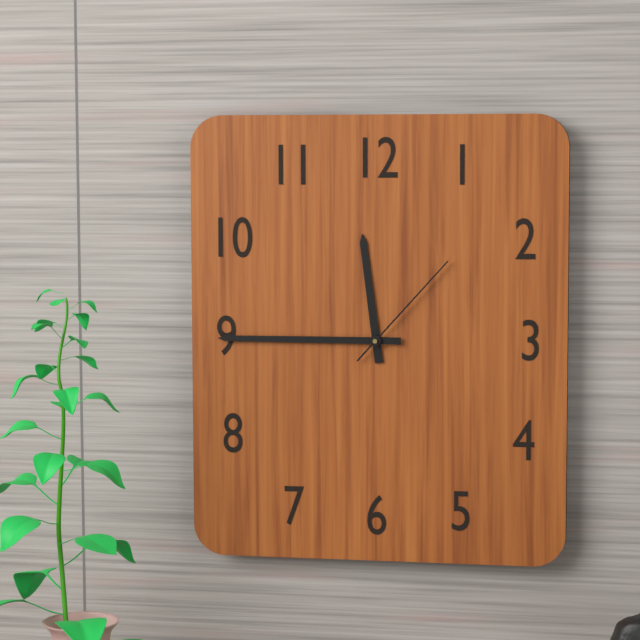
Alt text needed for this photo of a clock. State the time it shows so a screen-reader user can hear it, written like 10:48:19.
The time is 11:45:07
